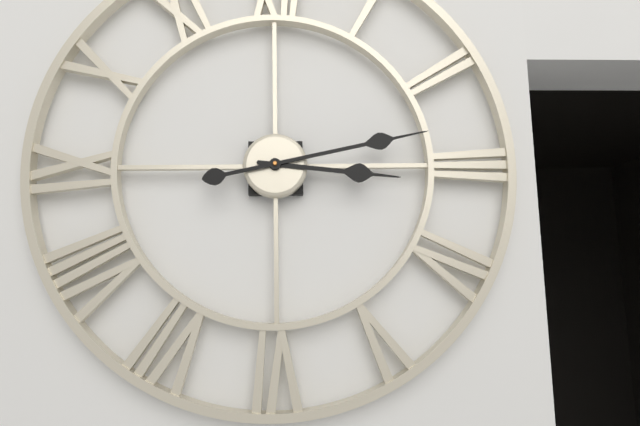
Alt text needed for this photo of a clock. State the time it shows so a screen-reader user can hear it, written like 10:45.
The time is 3:13
